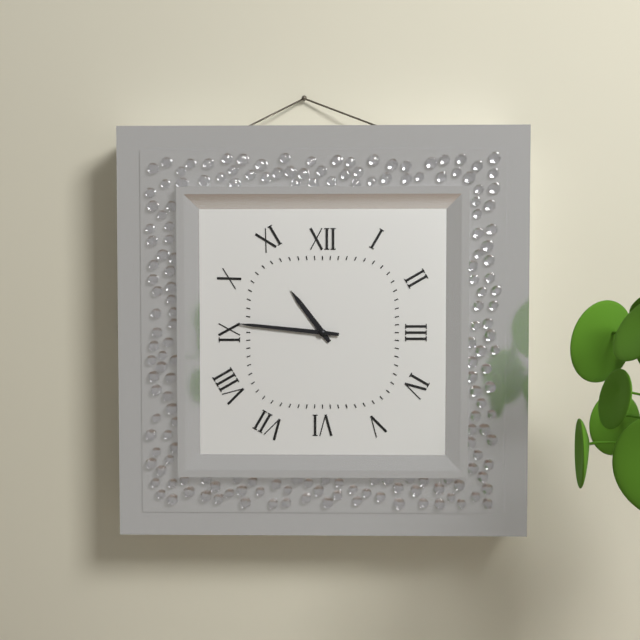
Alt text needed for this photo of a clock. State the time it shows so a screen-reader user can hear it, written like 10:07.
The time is 10:46
